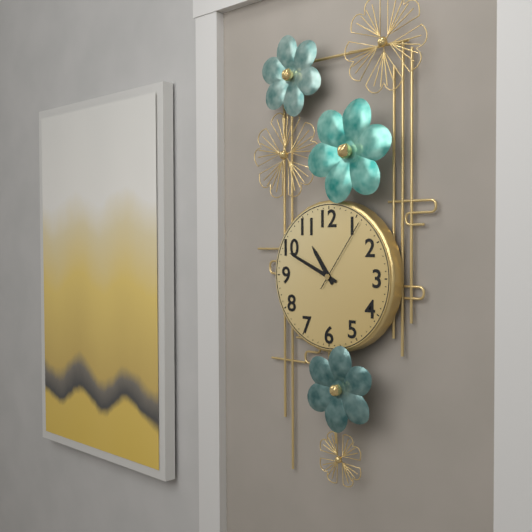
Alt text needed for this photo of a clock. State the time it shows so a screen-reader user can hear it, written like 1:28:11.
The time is 10:49:06
